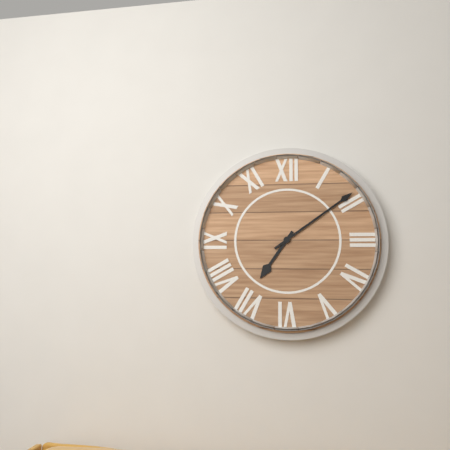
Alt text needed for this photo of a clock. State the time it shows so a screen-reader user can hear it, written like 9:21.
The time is 7:09
